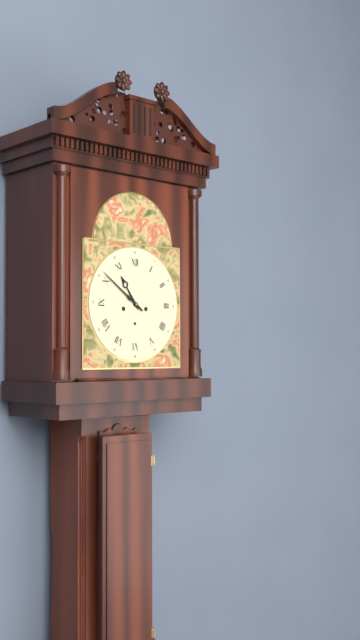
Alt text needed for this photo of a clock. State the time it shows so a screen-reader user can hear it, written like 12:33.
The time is 10:51
